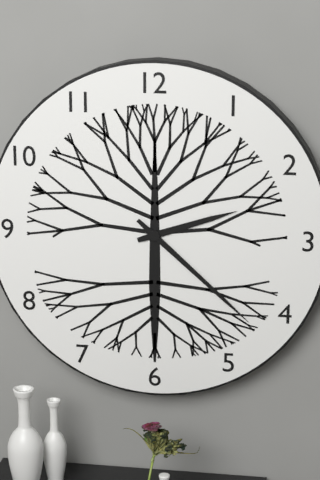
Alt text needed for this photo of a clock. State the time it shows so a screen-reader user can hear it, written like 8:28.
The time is 2:22
